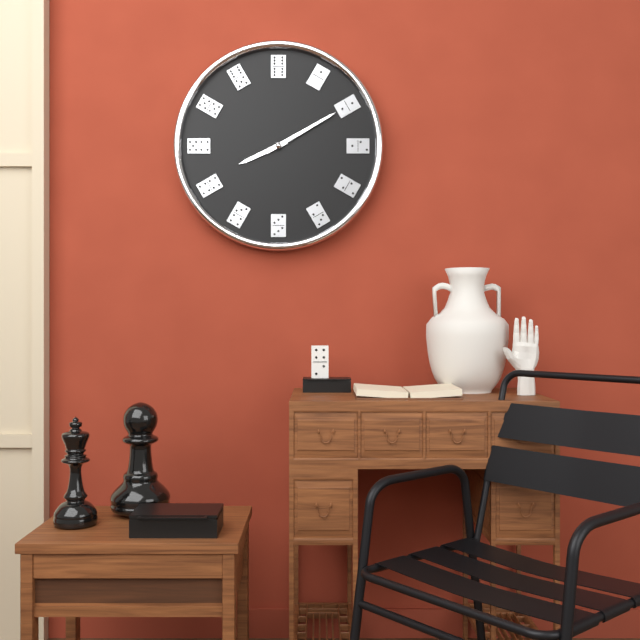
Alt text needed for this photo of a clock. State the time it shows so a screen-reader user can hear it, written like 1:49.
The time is 8:10
